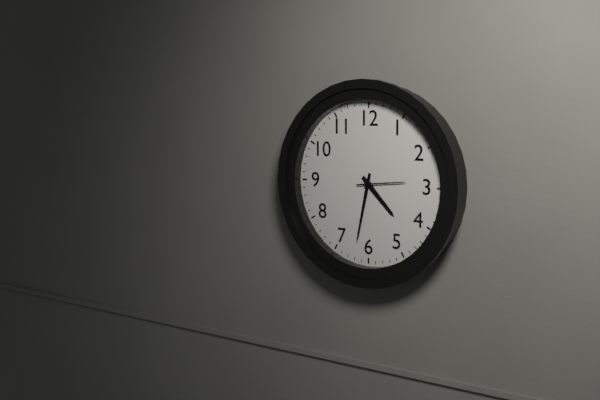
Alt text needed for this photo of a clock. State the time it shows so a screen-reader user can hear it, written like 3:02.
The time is 4:32
